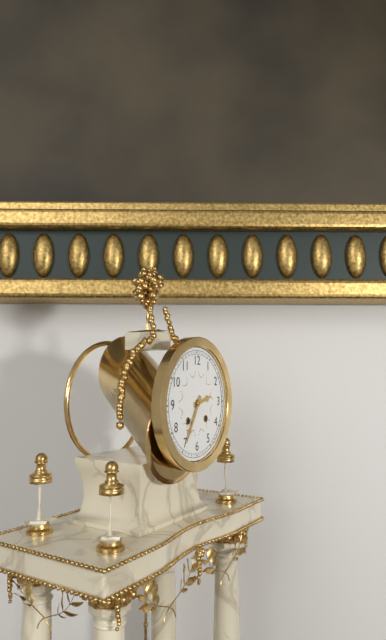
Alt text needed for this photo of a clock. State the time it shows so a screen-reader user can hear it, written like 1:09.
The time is 2:35
